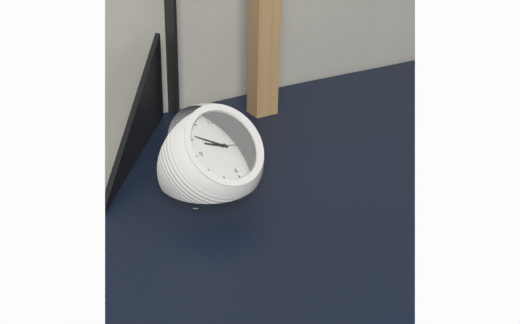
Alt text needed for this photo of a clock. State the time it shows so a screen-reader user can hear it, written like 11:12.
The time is 9:51
